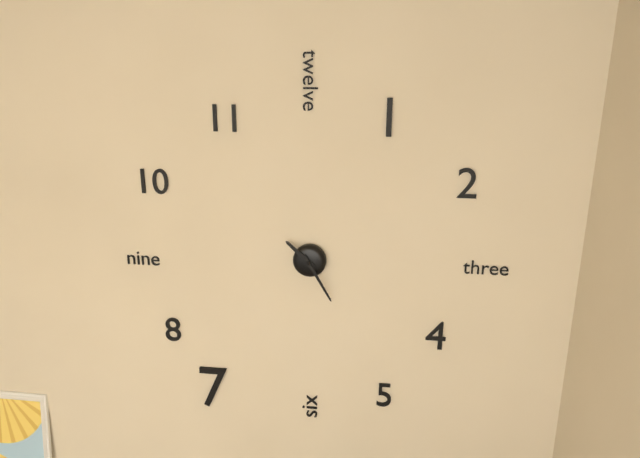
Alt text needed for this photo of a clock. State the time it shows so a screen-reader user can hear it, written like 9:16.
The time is 10:25
